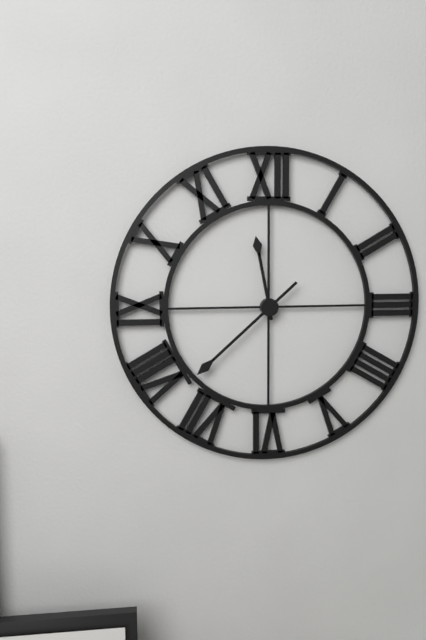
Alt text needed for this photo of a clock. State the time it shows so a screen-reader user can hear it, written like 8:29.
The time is 11:38
